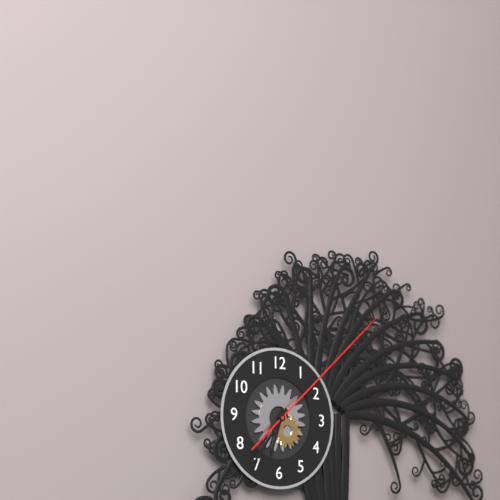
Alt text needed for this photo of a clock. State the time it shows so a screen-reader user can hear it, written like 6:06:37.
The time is 6:36:08
